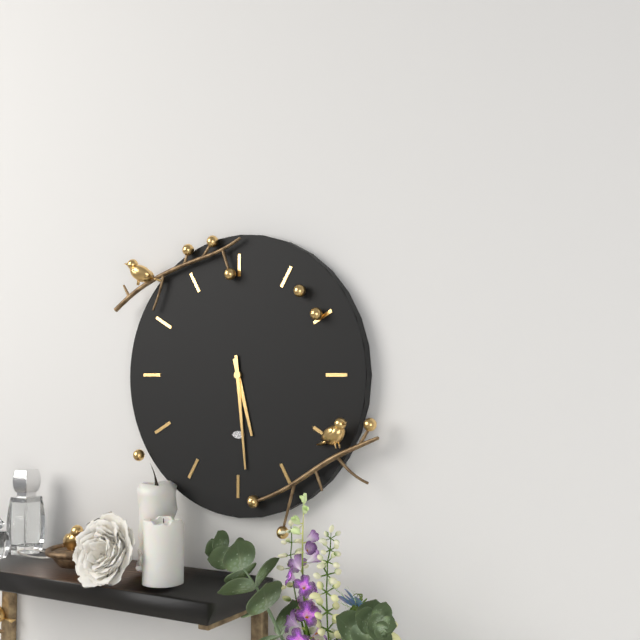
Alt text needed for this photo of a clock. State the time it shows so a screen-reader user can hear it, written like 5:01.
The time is 5:29
